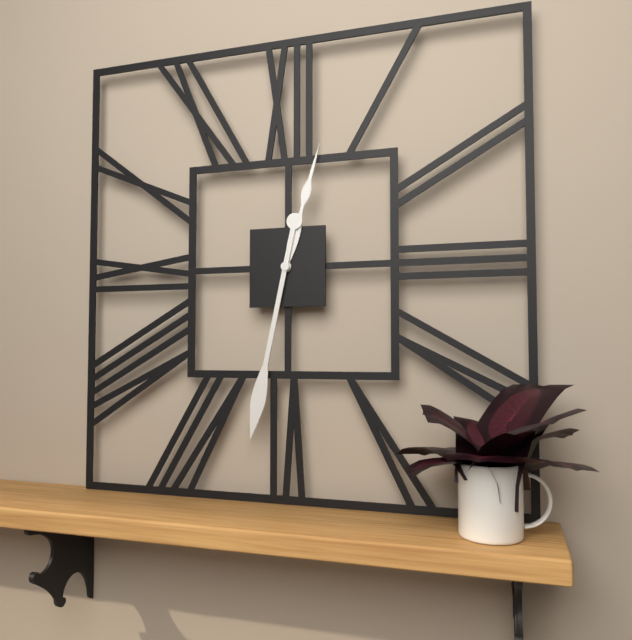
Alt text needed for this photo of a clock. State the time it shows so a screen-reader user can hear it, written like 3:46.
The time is 12:32
